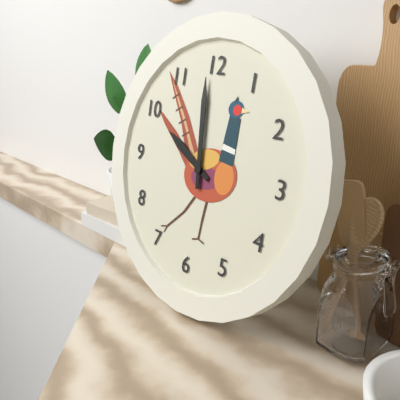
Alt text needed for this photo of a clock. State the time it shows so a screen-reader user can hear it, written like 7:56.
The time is 9:59
